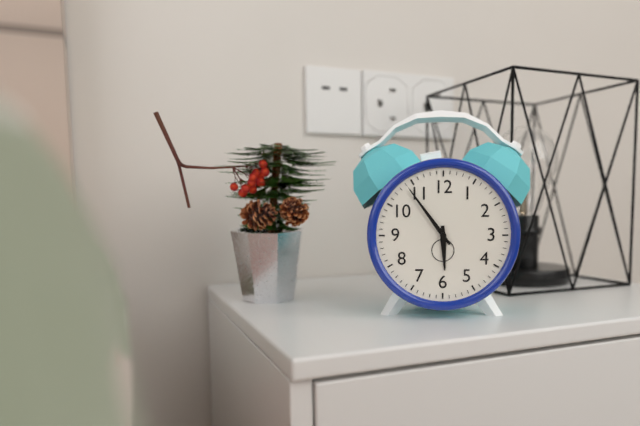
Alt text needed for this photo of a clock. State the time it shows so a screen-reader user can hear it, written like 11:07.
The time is 5:54
